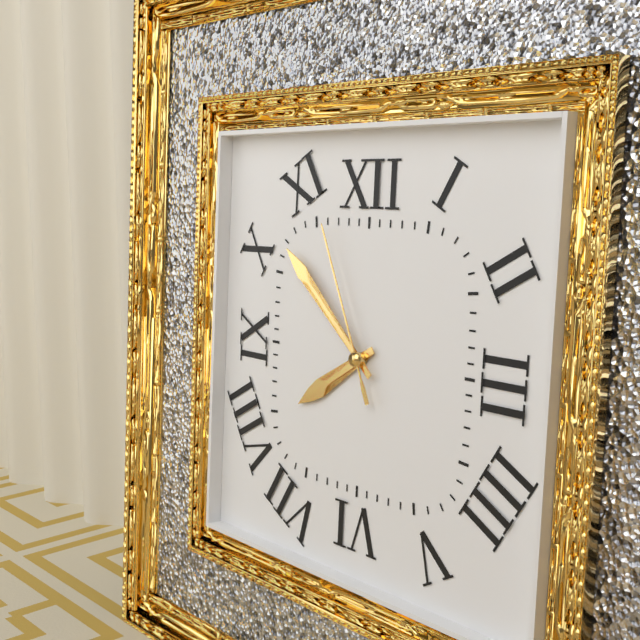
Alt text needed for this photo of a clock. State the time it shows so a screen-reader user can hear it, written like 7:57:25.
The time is 7:52:56
